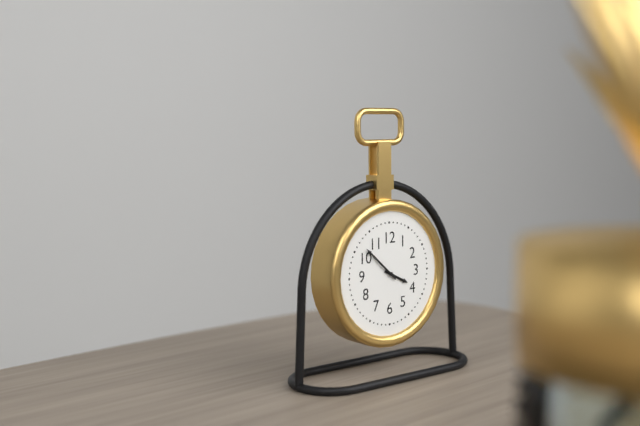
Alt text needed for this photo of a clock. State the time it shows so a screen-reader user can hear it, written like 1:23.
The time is 3:52
